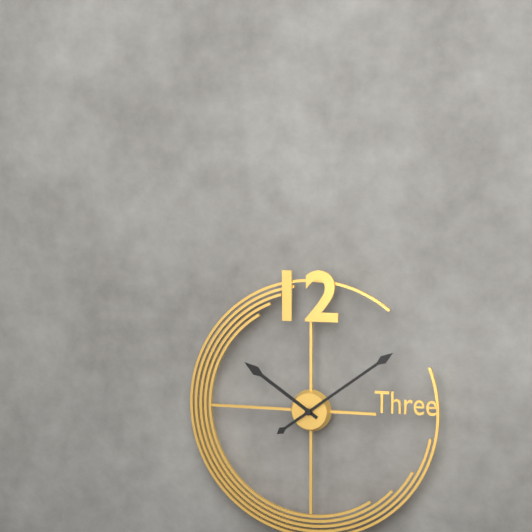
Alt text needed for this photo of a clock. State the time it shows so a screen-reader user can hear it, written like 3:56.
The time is 10:09
